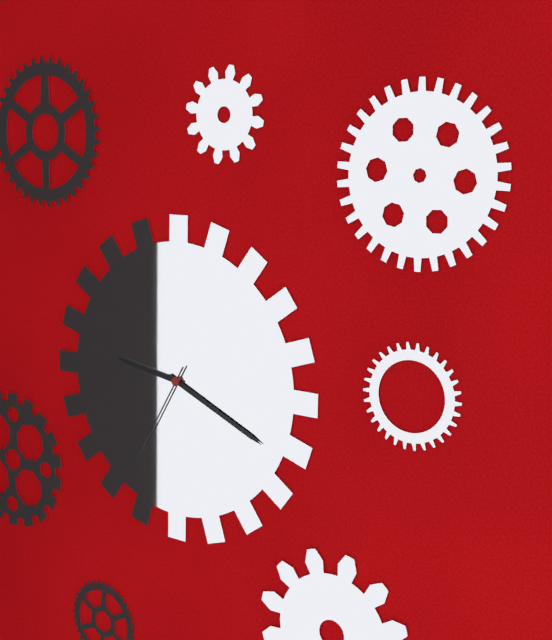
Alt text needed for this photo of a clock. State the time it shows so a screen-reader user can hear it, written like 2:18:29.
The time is 9:19:35
